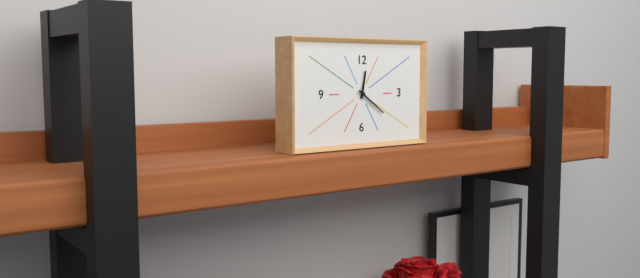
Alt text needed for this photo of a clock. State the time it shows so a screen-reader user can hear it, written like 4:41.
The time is 12:21
